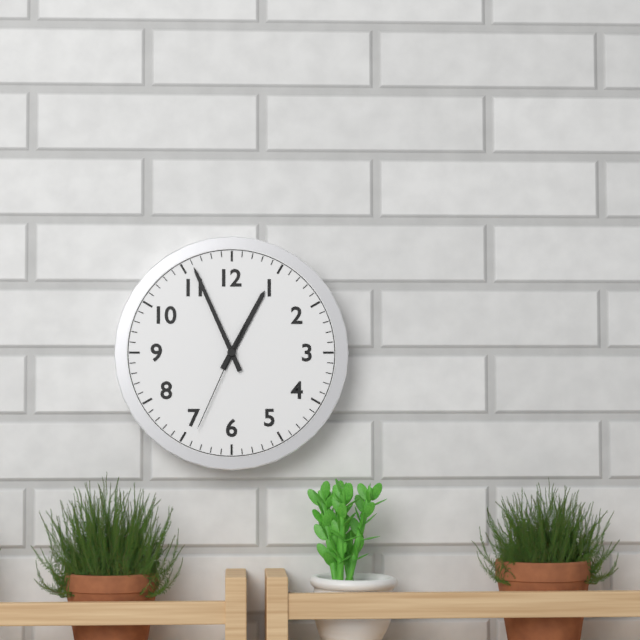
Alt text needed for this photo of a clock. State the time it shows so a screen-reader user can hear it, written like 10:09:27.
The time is 12:56:34
